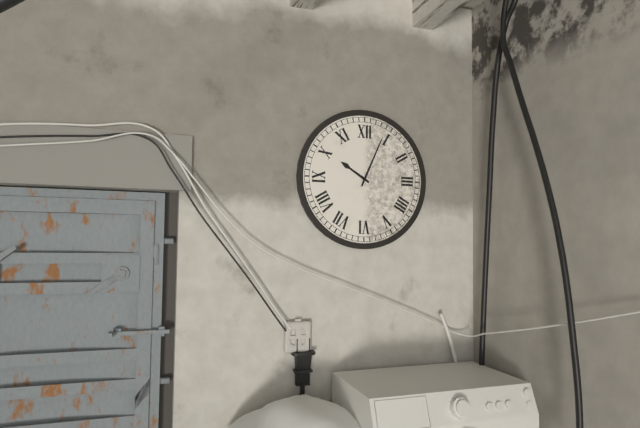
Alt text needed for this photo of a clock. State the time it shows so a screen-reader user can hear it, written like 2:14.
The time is 10:04
